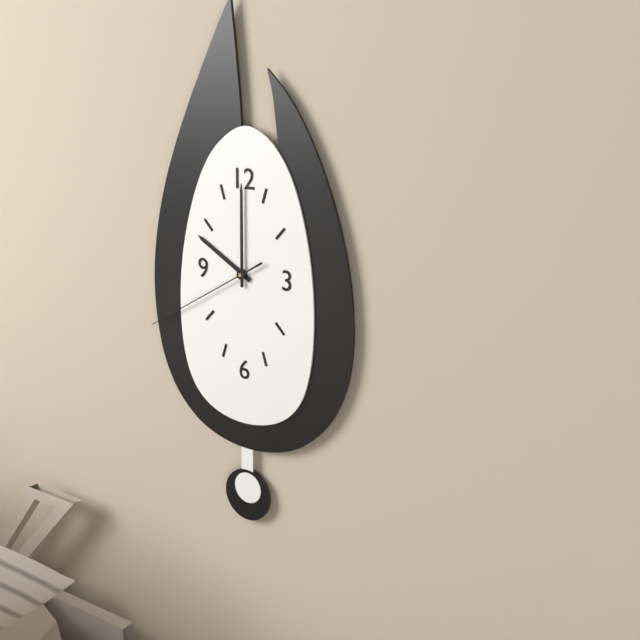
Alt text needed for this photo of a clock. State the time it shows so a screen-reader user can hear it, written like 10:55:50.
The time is 10:00:40
